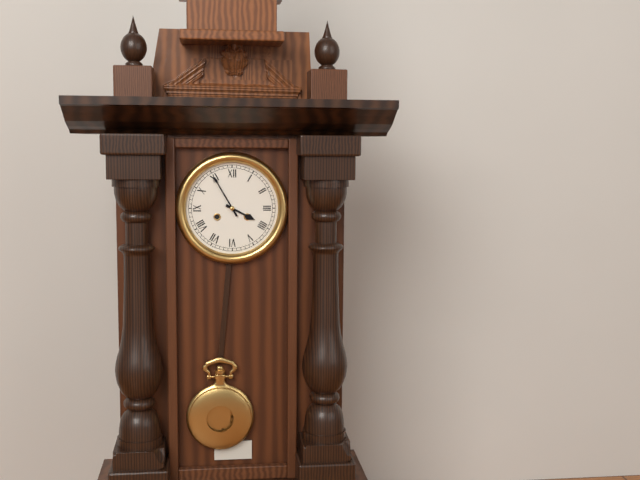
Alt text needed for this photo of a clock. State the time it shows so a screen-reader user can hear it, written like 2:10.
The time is 3:55
